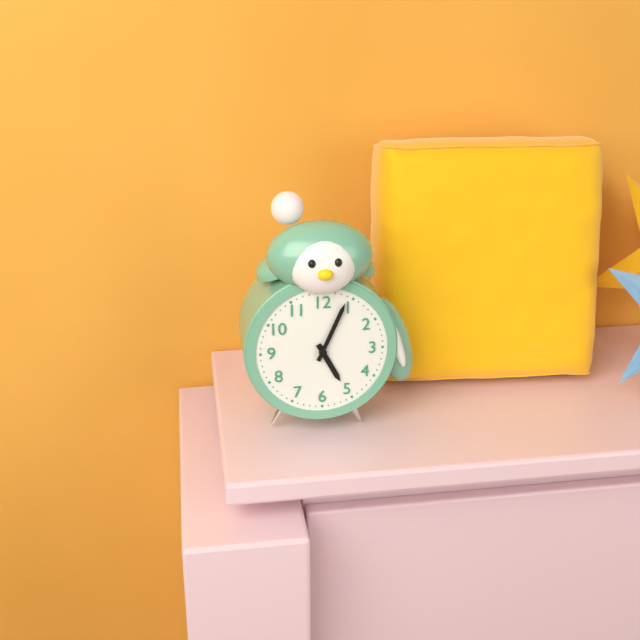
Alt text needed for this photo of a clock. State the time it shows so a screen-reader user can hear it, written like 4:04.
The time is 5:04
